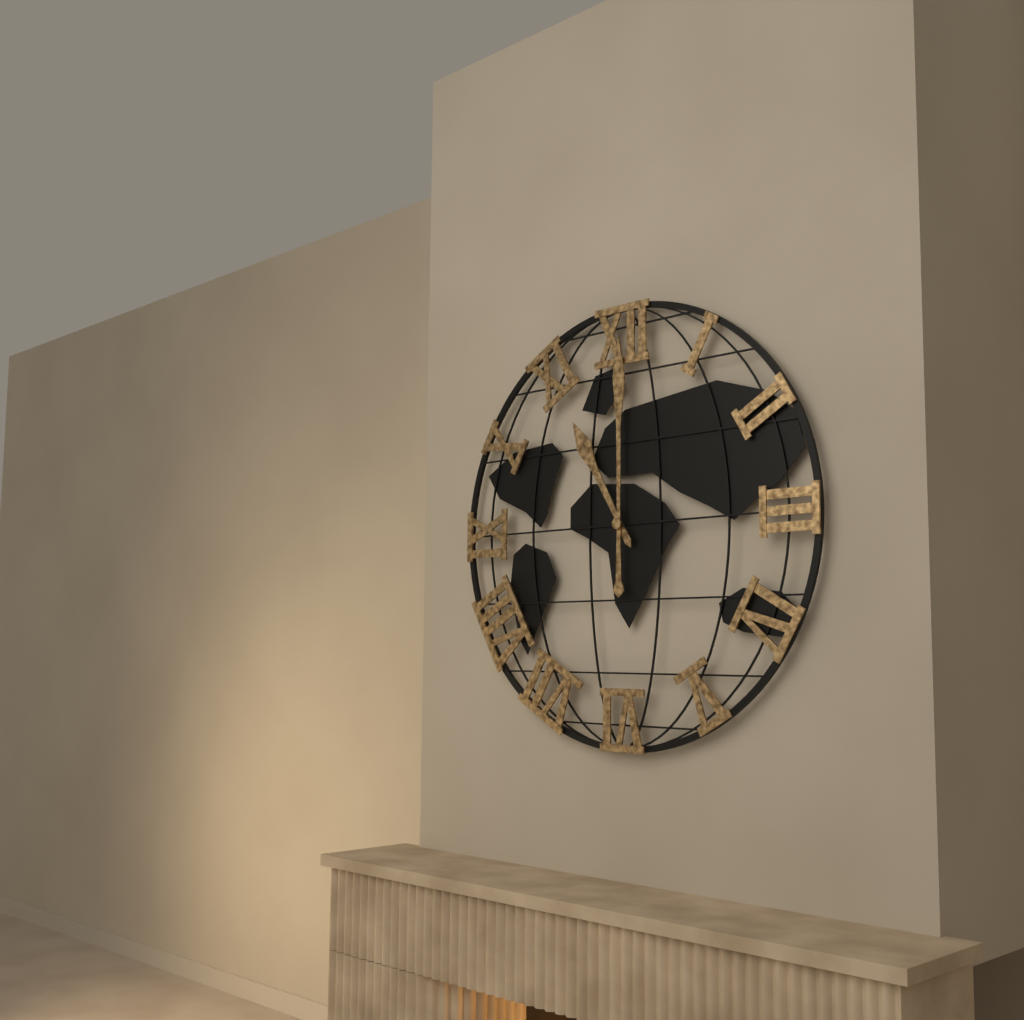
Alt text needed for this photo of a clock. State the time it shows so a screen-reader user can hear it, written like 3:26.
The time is 11:00
